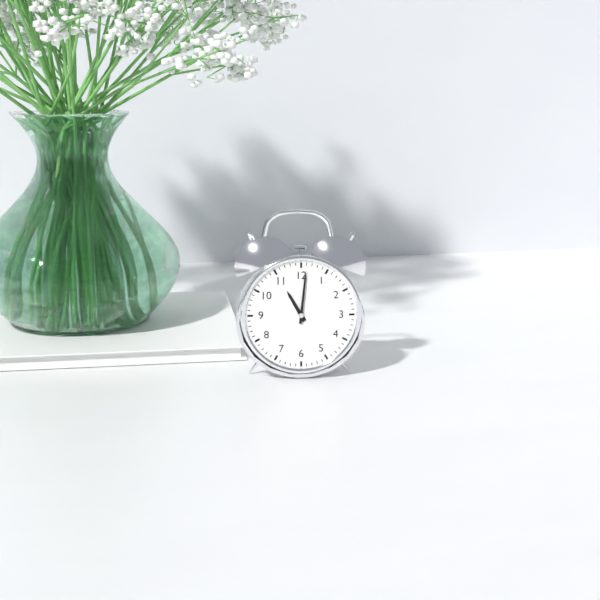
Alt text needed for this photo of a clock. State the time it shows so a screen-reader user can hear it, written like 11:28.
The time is 11:01
